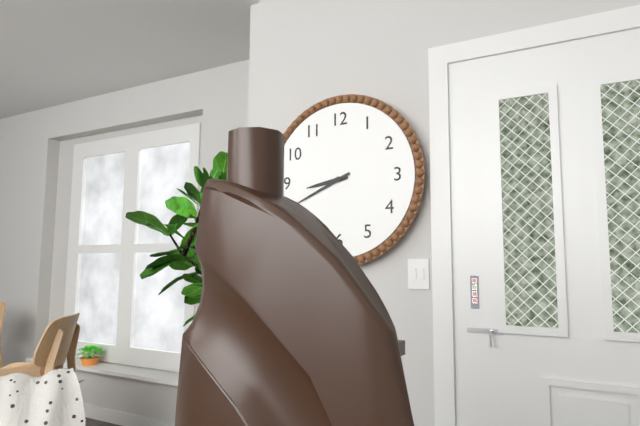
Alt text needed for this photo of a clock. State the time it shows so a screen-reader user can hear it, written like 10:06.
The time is 8:41
